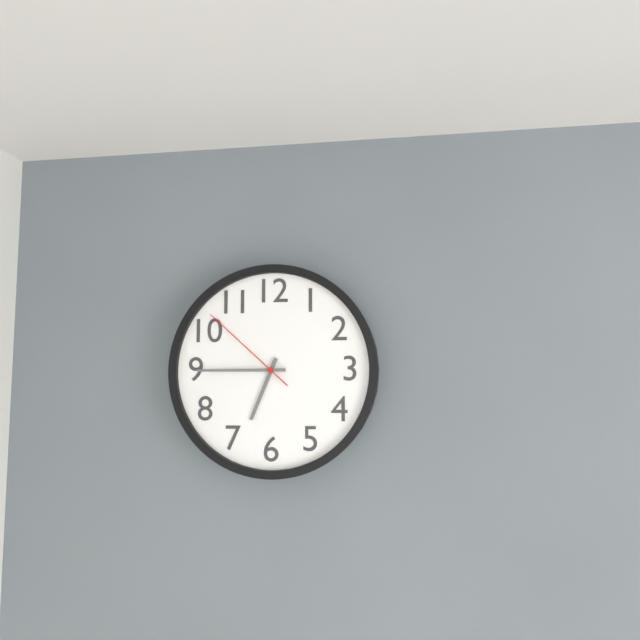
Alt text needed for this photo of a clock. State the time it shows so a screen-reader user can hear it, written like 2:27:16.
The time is 6:45:52
